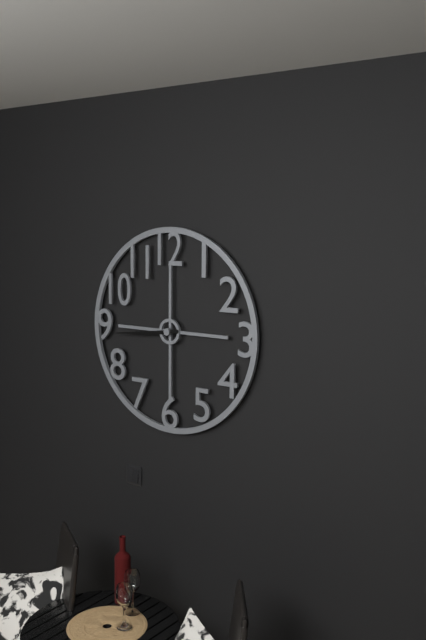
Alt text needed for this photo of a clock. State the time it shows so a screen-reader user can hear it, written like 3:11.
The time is 8:44
